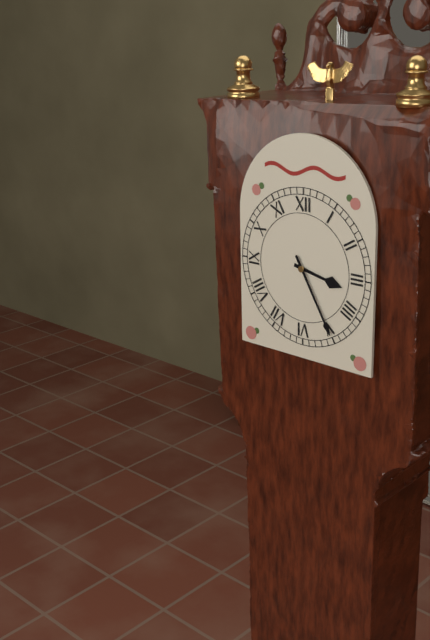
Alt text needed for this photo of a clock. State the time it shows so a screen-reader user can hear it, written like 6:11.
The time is 3:25
